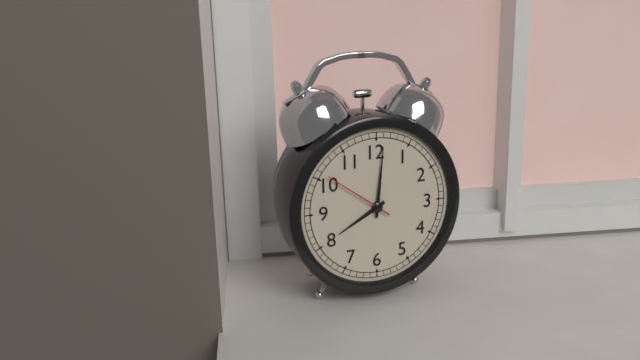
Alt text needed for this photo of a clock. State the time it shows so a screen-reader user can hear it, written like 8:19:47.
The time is 8:01:51
